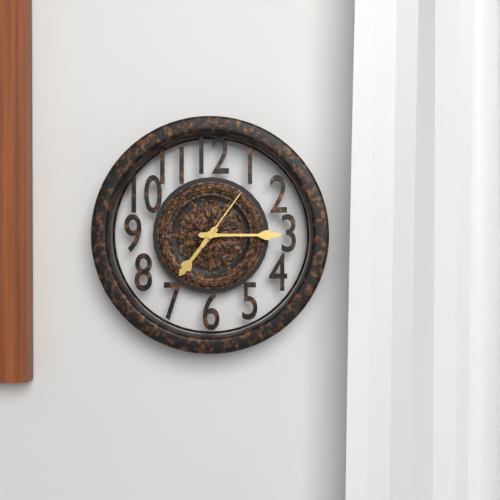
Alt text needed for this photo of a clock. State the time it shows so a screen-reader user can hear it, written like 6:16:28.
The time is 7:15:06
